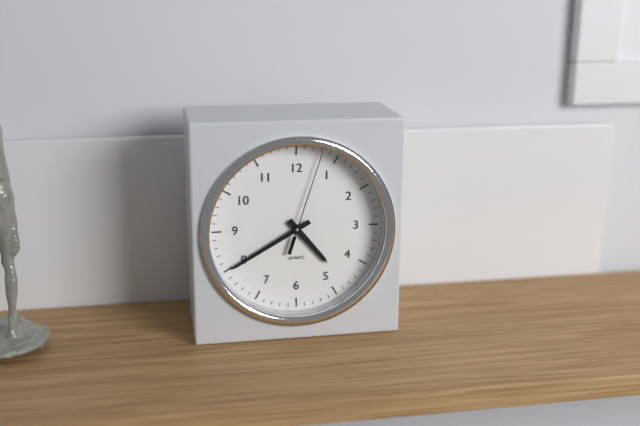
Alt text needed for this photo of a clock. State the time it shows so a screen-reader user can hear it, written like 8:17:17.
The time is 4:40:03
